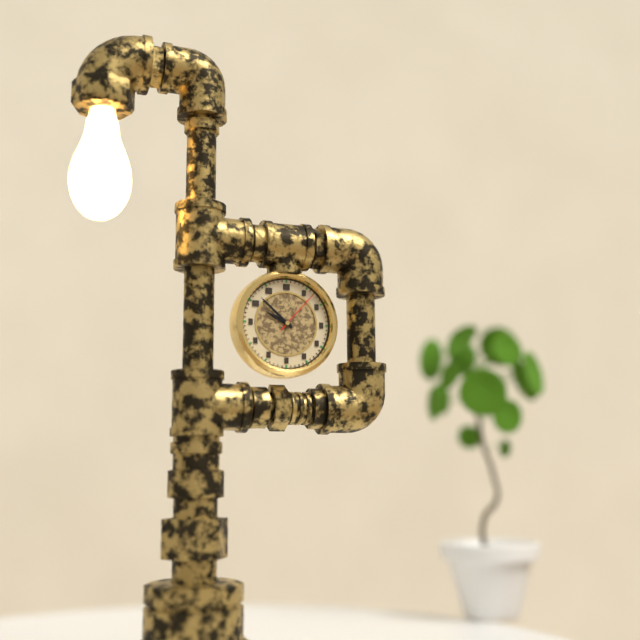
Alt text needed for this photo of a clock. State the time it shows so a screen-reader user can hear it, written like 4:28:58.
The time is 9:52:07
